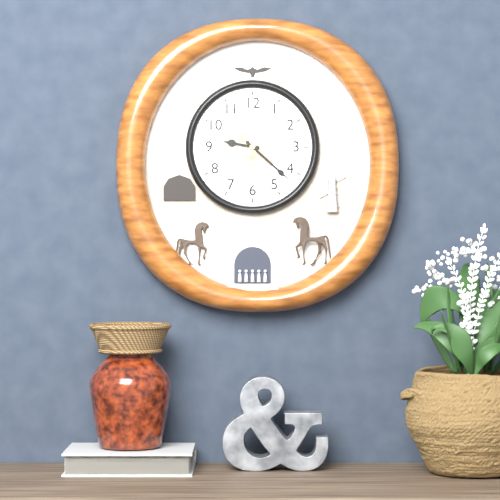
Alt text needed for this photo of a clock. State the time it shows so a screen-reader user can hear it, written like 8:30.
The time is 9:22
